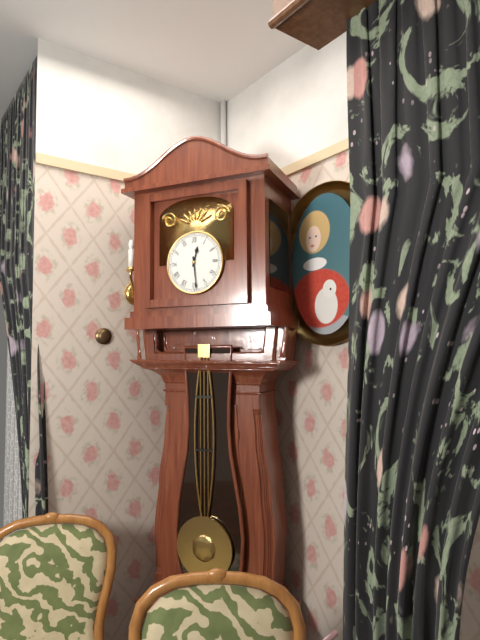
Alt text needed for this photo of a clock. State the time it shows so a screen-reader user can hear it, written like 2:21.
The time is 12:29
